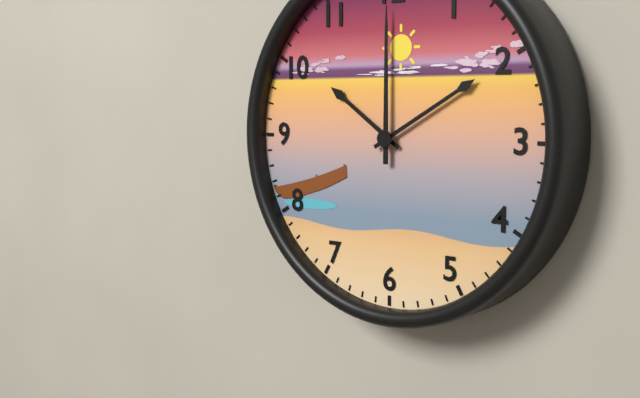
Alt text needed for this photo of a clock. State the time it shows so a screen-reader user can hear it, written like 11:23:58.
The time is 10:10:00
